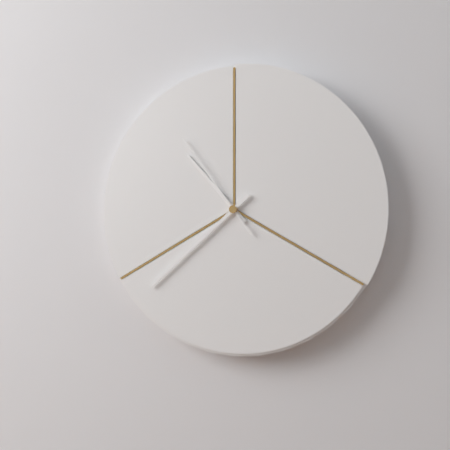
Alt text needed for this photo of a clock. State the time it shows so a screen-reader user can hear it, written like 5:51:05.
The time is 10:38:54
